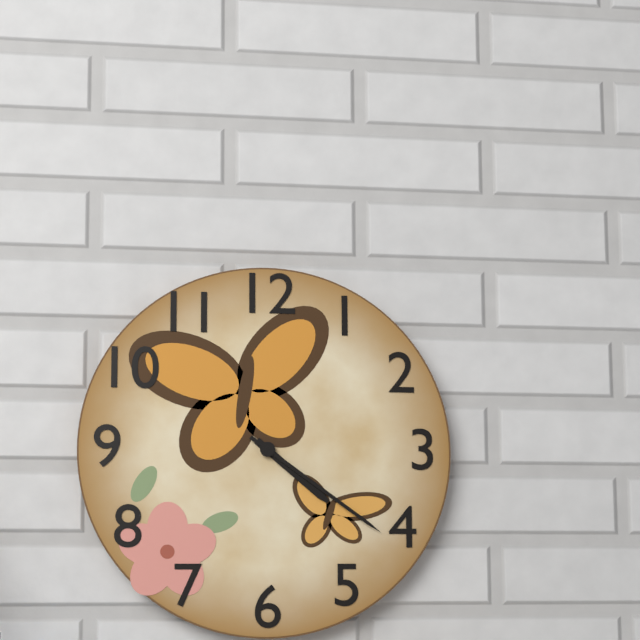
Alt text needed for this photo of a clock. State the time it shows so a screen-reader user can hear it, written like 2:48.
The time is 4:21
